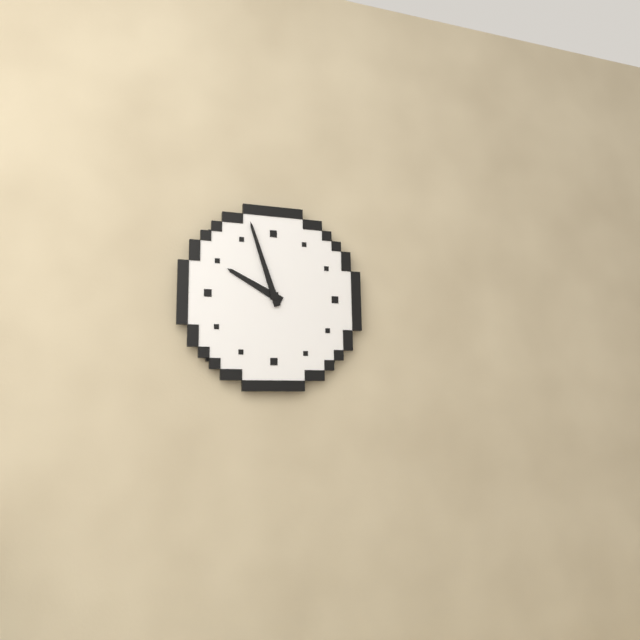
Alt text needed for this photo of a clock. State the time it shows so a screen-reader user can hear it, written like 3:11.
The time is 9:57
